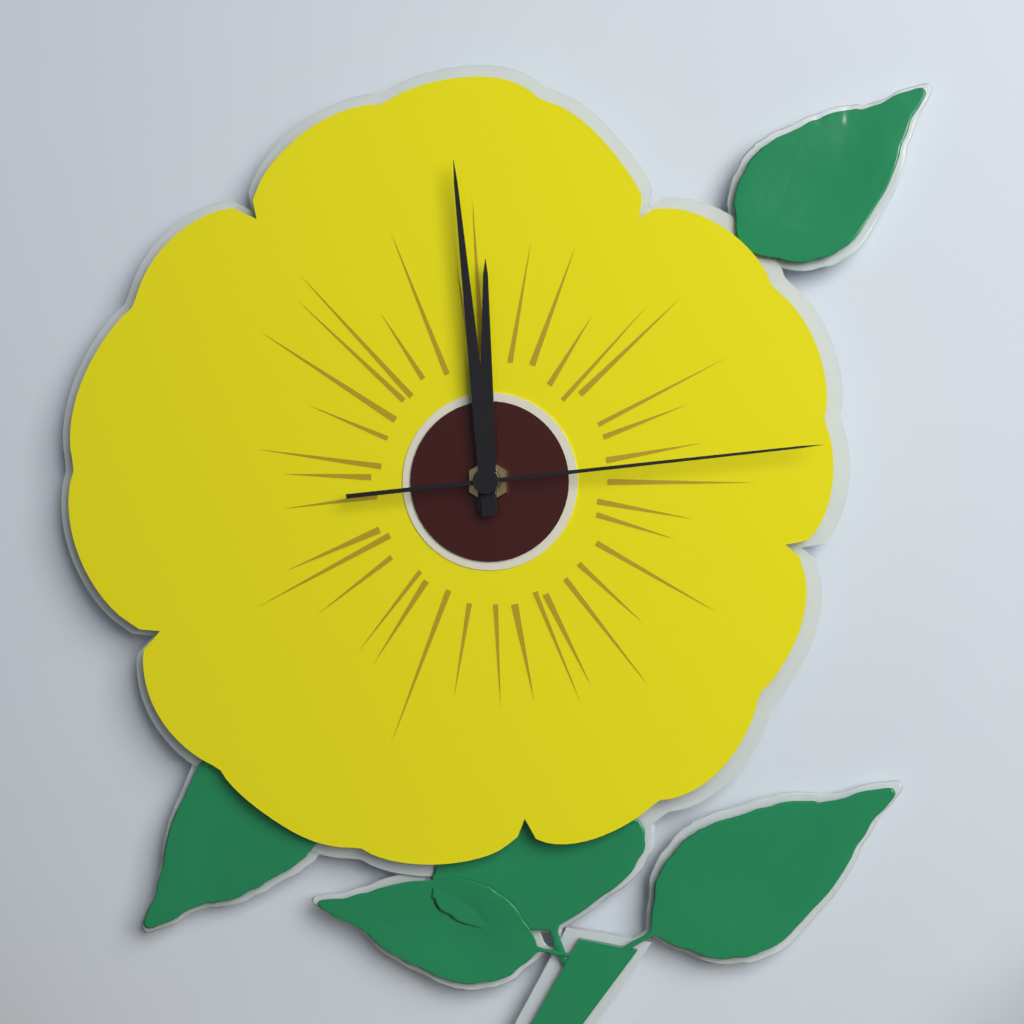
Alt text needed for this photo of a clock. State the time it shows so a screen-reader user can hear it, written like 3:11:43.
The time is 11:59:14
